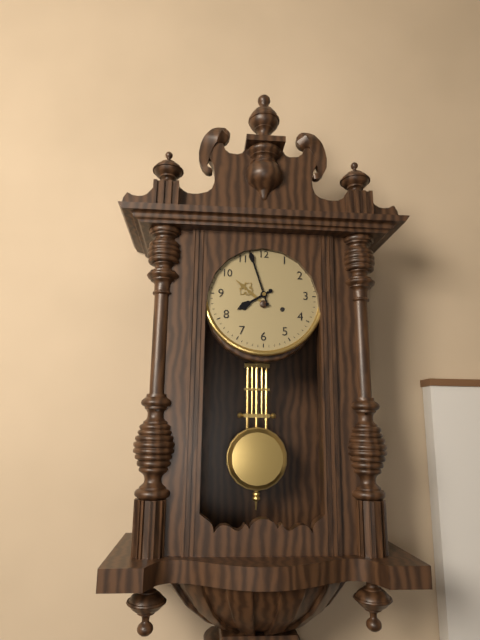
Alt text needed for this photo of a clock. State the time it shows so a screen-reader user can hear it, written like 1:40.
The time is 7:57
